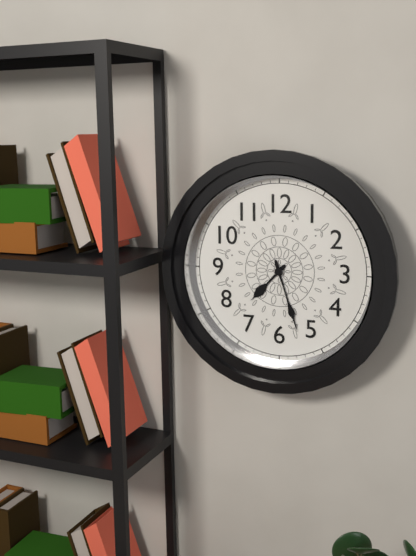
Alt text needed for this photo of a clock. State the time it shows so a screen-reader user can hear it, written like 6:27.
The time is 7:27
